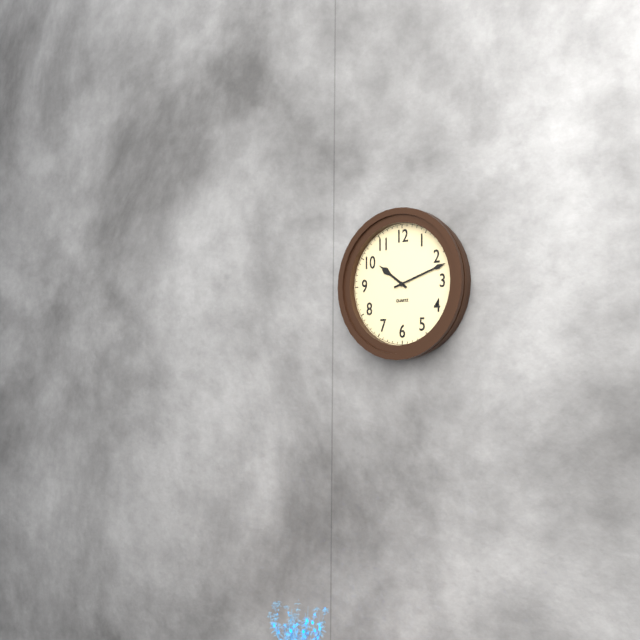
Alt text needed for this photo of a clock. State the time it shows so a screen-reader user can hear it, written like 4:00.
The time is 10:12
